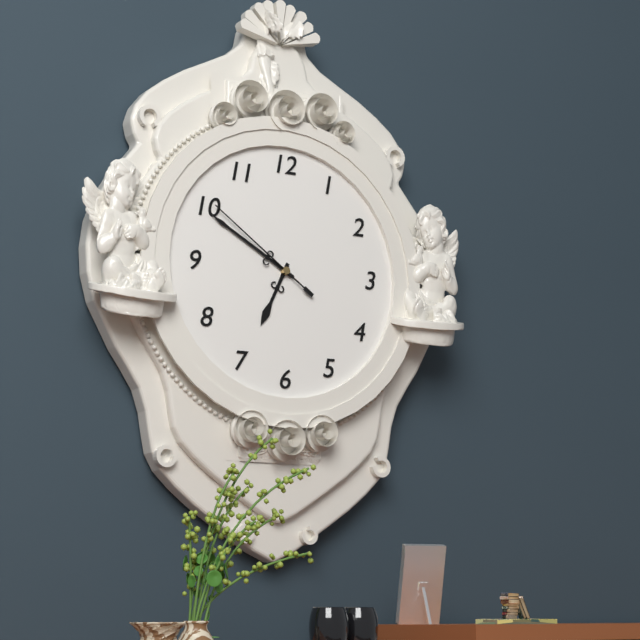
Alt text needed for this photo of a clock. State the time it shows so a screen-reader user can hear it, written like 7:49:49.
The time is 6:50:51
